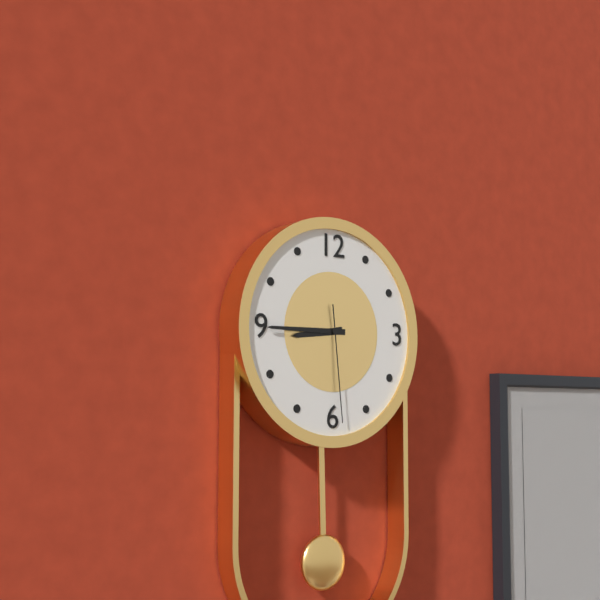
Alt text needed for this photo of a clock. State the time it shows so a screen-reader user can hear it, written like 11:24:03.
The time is 8:45:29
